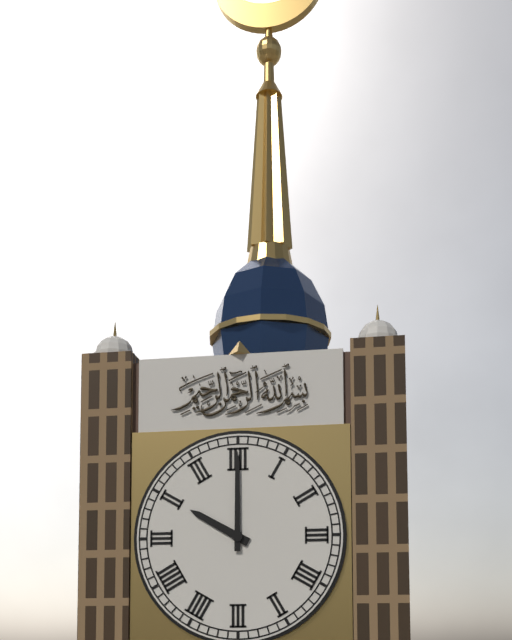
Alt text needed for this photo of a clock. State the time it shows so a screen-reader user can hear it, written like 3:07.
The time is 10:00
